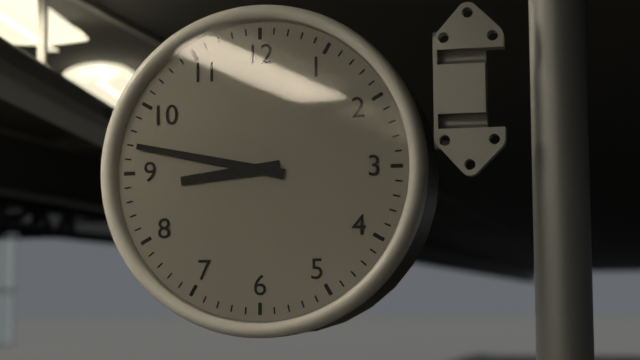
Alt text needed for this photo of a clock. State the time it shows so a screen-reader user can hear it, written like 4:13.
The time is 8:47
